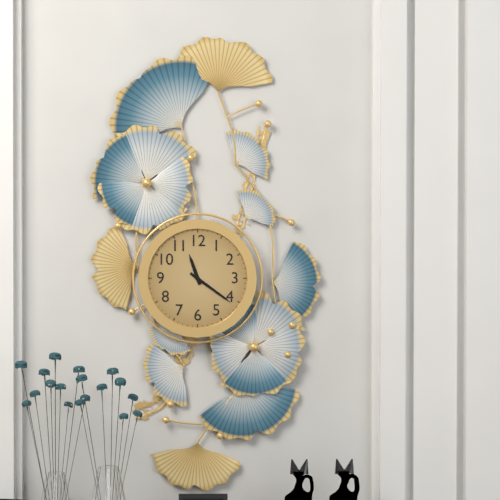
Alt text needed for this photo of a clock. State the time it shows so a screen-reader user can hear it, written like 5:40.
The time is 11:21
